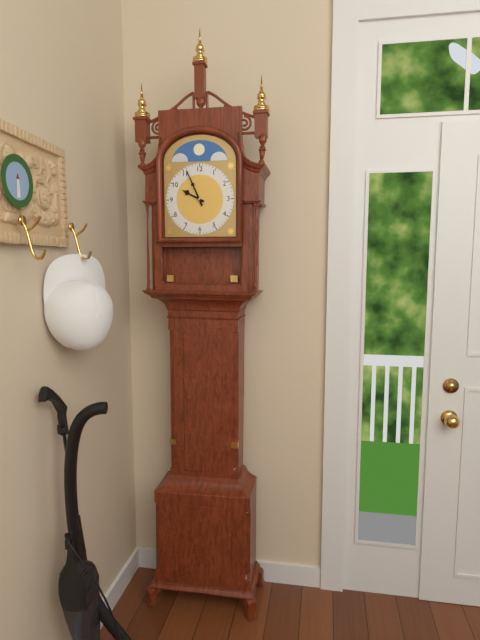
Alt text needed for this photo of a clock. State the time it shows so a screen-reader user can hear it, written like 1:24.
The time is 9:56
